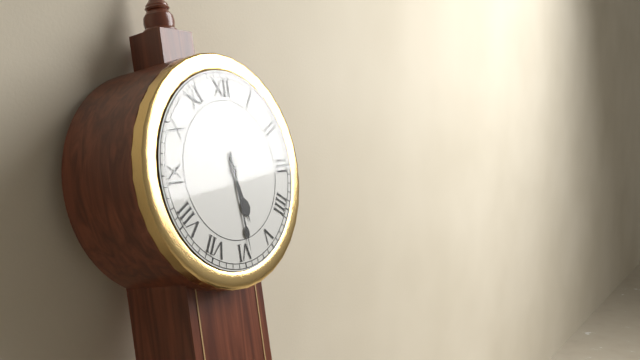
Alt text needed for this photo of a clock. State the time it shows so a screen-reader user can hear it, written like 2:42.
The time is 5:29
